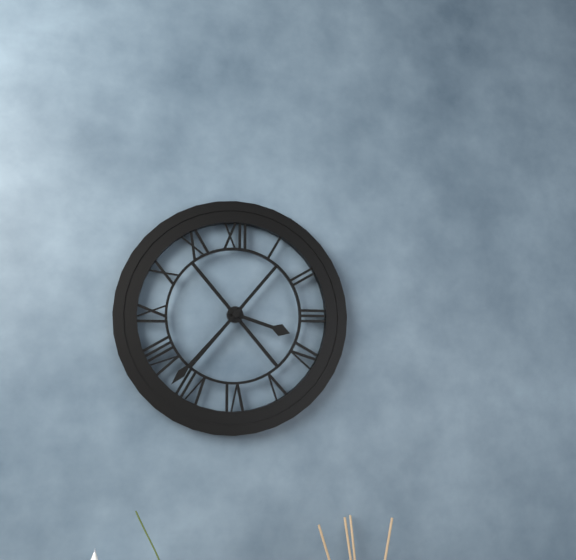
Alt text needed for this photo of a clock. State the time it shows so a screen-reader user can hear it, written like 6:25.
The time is 3:37
